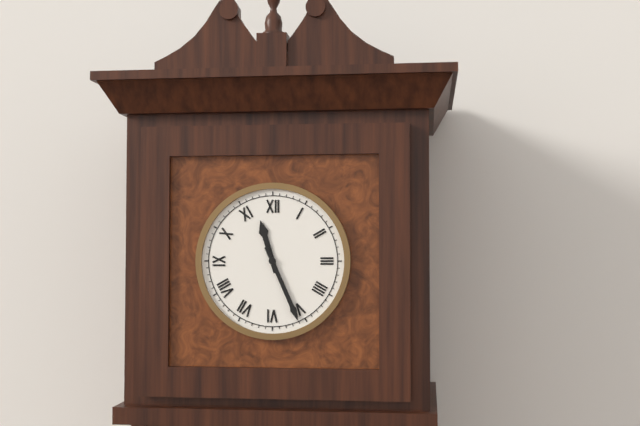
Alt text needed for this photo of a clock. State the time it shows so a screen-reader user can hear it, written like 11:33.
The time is 11:26
